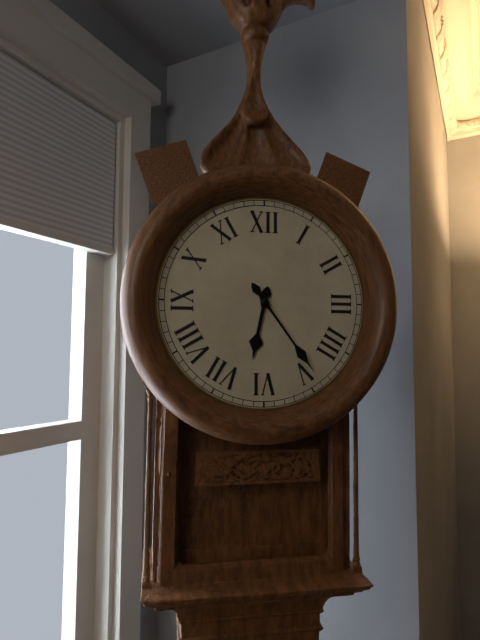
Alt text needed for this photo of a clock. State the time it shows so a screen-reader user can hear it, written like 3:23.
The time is 6:24
